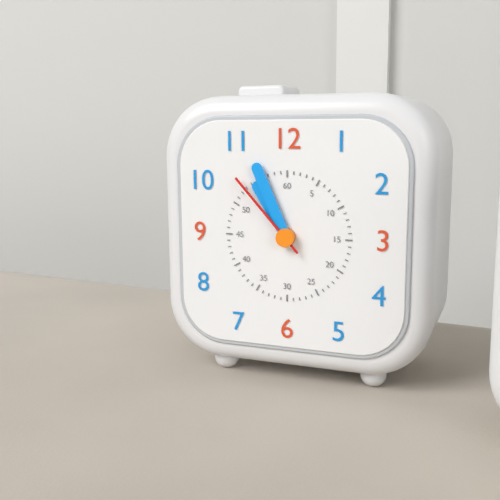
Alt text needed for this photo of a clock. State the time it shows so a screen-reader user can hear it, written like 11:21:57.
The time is 10:56:53
